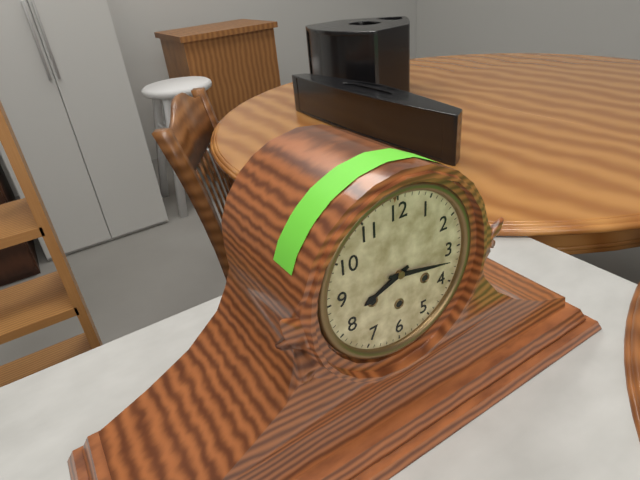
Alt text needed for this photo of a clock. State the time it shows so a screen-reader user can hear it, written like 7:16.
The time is 8:17
